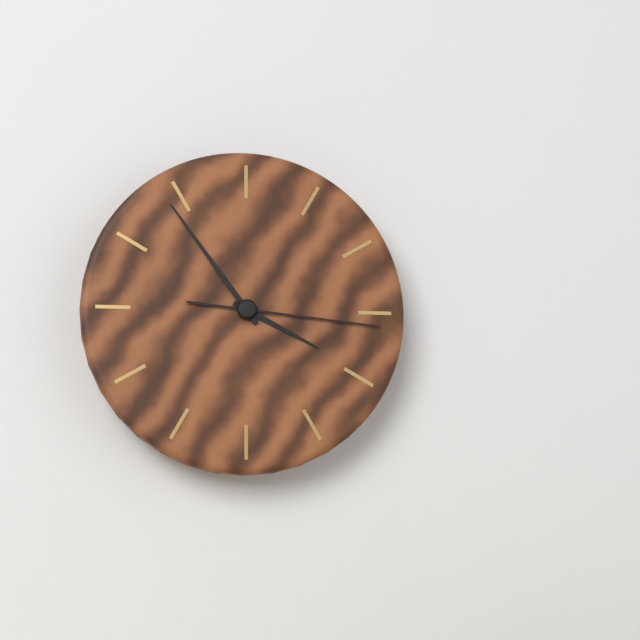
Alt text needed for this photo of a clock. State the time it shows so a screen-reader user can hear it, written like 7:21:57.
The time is 3:54:16
